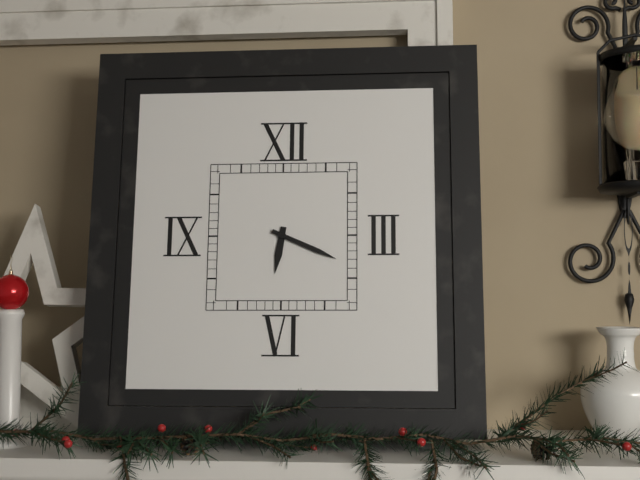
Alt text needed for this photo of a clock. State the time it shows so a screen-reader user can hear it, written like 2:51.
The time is 6:19
